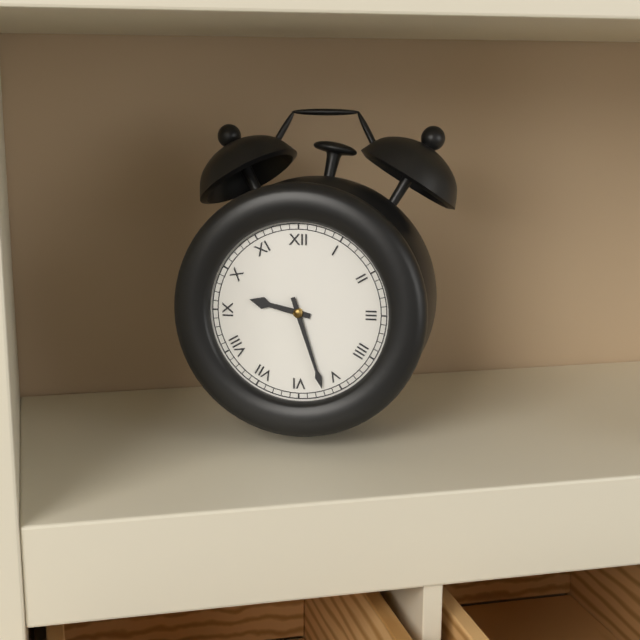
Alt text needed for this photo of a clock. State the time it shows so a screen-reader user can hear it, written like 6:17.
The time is 9:27
